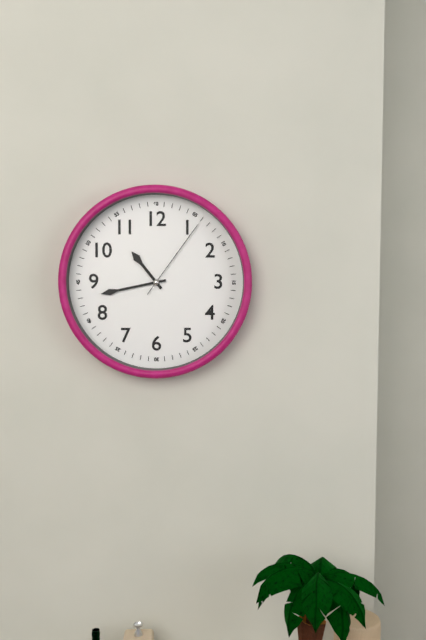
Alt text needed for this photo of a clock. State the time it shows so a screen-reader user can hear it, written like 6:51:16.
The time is 10:43:06
